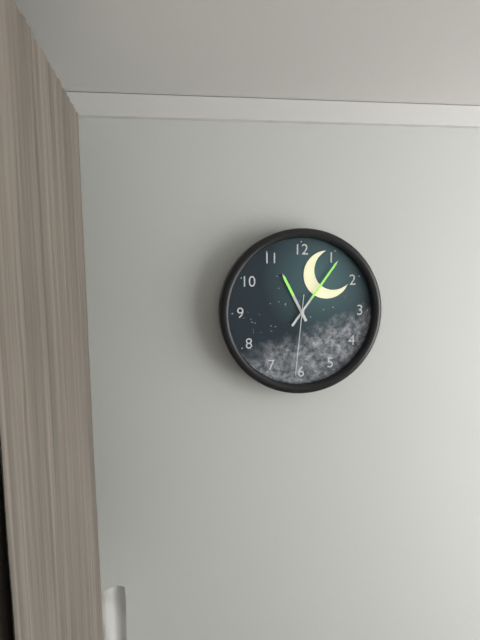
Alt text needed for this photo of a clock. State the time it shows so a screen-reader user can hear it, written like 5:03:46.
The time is 11:06:31
